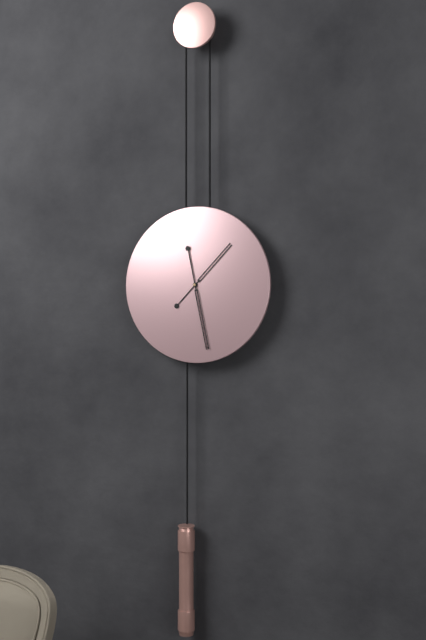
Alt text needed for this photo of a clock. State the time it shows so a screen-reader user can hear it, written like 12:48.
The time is 1:28
